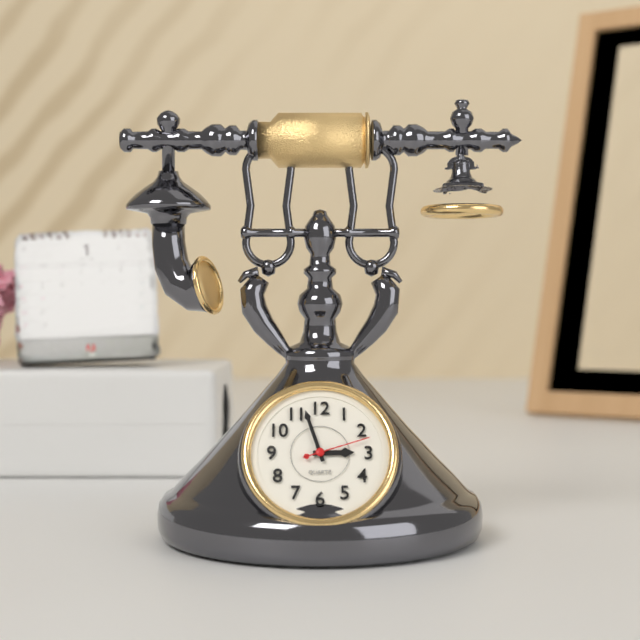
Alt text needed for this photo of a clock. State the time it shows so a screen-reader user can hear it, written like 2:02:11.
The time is 2:57:12
